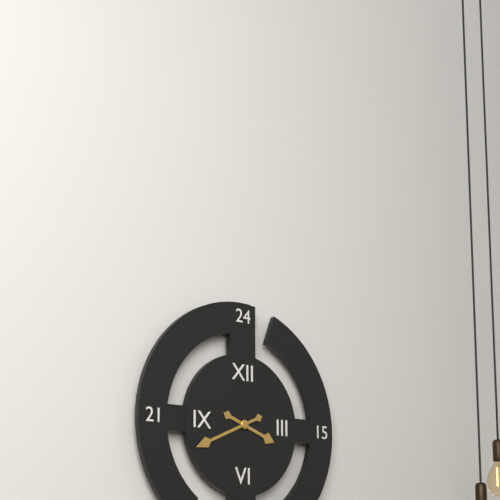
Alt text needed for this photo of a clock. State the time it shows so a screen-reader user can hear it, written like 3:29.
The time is 3:41
